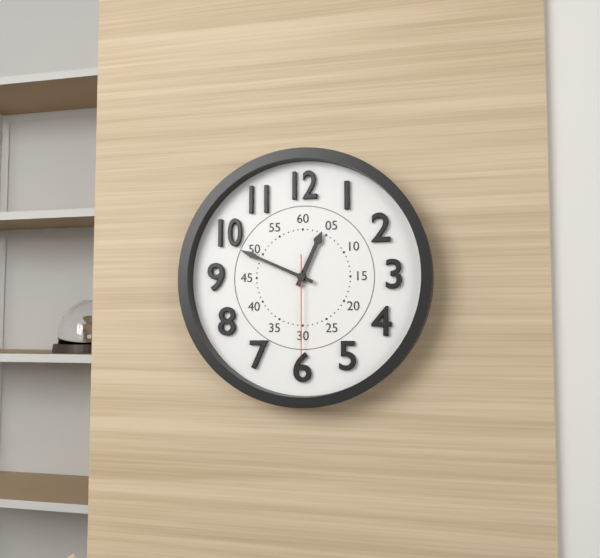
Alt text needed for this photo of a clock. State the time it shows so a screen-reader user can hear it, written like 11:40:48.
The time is 12:49:30
